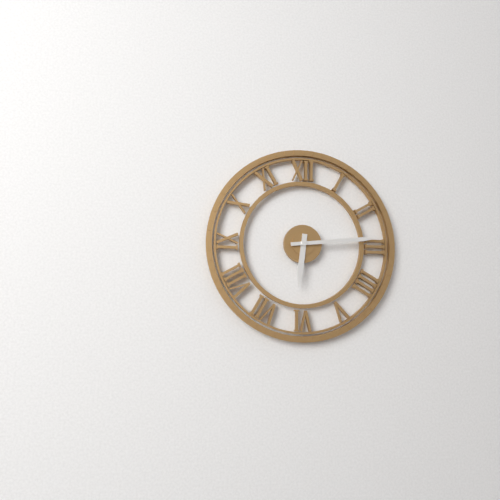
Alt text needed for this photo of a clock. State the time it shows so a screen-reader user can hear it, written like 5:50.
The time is 6:14
